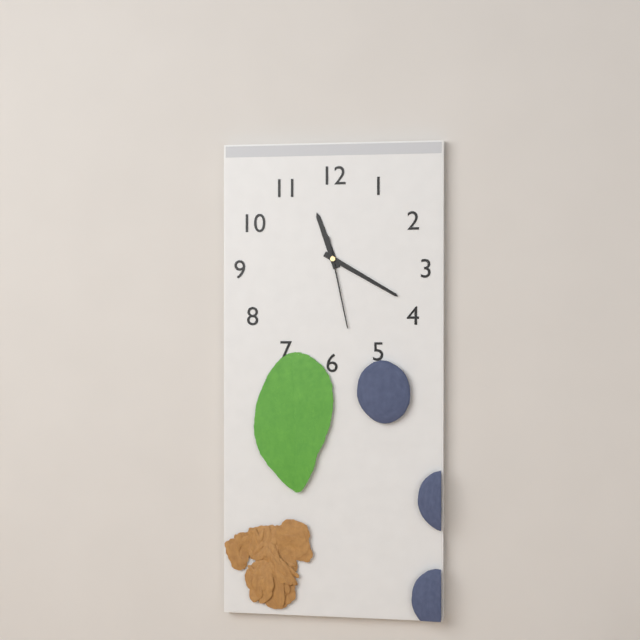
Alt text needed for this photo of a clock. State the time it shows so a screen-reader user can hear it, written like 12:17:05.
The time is 11:20:28
